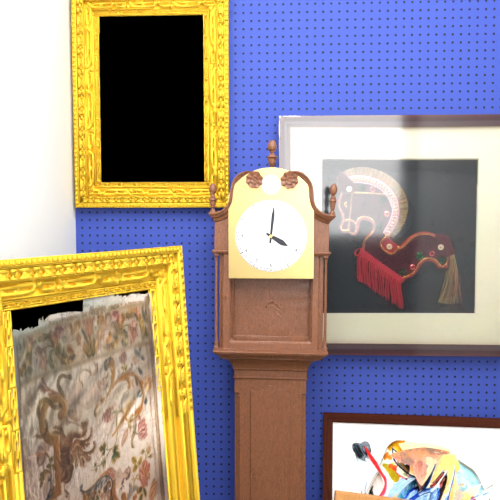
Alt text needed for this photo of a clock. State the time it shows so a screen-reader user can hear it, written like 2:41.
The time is 4:01
